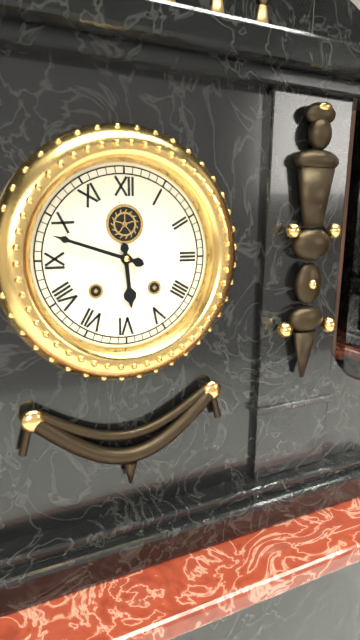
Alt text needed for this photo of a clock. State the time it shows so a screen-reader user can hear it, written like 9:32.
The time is 5:48
